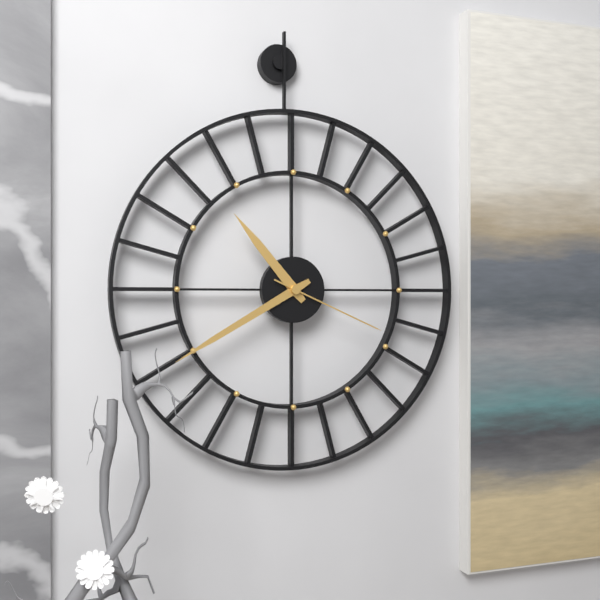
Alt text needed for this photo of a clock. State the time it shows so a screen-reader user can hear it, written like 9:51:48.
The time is 10:40:19
